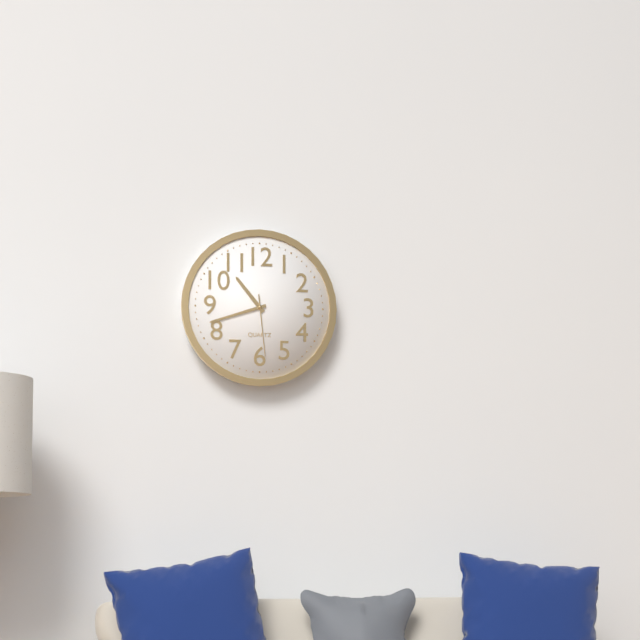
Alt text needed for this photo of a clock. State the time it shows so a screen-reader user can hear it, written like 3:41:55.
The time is 10:42:29
